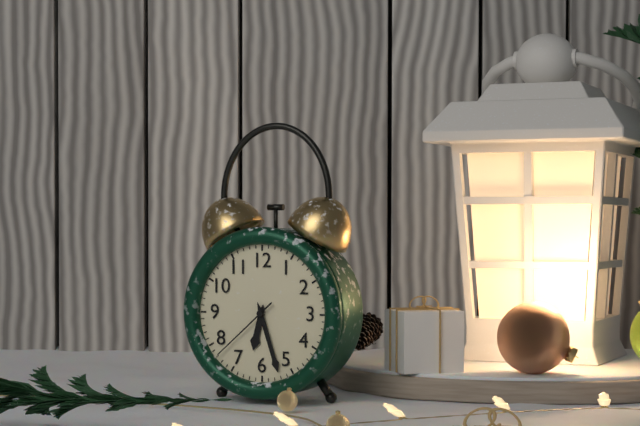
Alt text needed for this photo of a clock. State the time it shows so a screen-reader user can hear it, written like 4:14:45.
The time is 6:27:38
